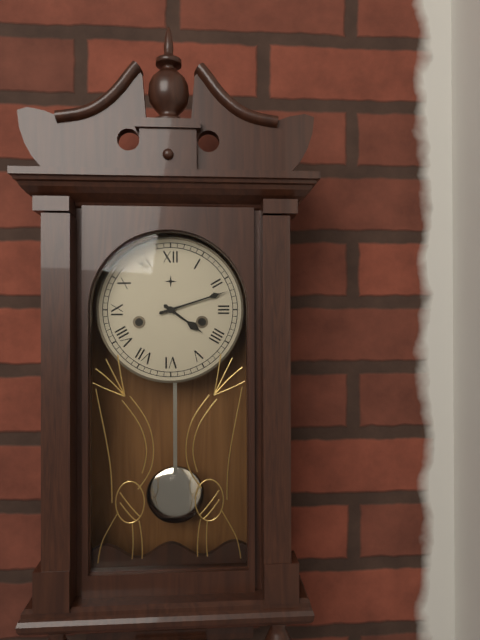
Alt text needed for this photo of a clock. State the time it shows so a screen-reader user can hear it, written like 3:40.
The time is 4:12
